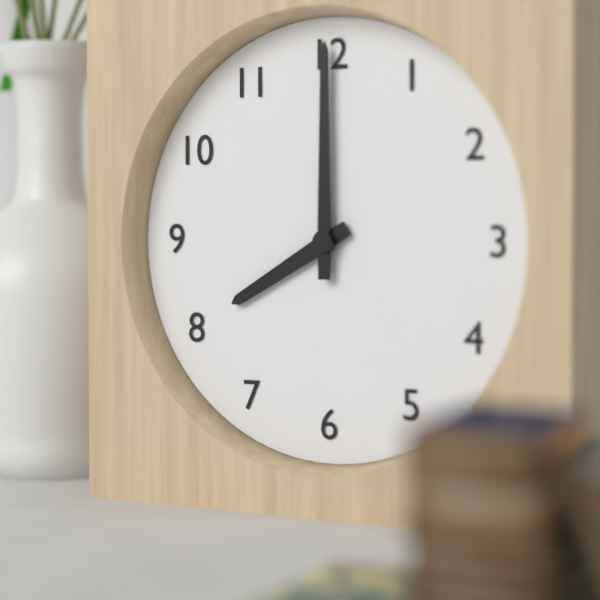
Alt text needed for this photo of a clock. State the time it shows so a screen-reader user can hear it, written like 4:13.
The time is 8:00
